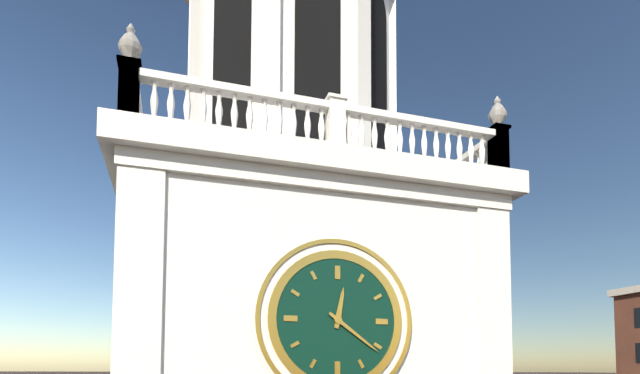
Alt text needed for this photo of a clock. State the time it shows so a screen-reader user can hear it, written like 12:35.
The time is 12:21
